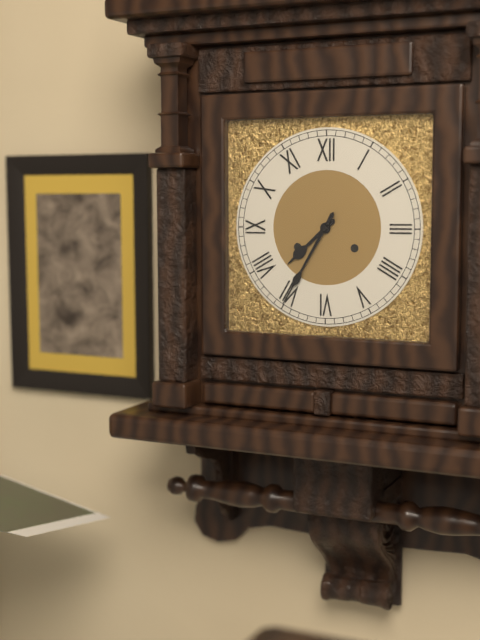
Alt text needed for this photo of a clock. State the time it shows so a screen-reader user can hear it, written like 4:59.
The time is 7:35
